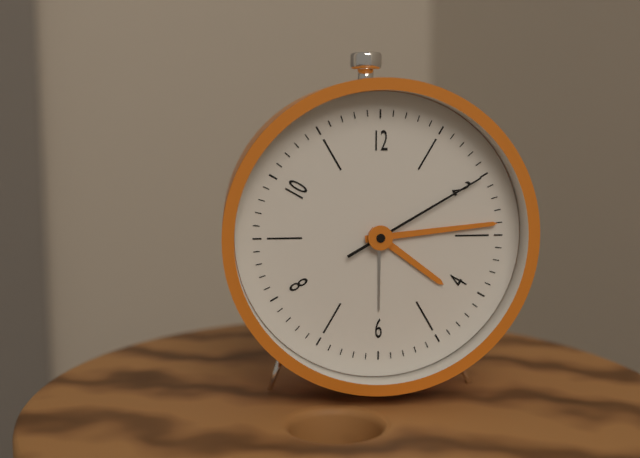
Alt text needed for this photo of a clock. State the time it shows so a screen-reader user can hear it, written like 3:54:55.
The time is 4:14:10
